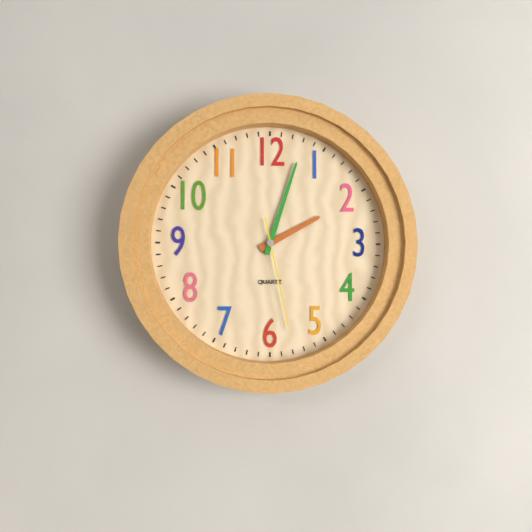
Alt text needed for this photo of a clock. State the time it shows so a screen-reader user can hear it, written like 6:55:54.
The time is 2:03:28
